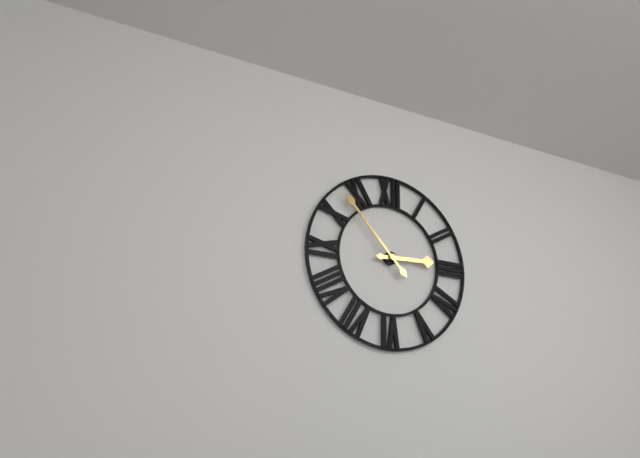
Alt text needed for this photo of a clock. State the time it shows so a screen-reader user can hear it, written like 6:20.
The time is 2:53
